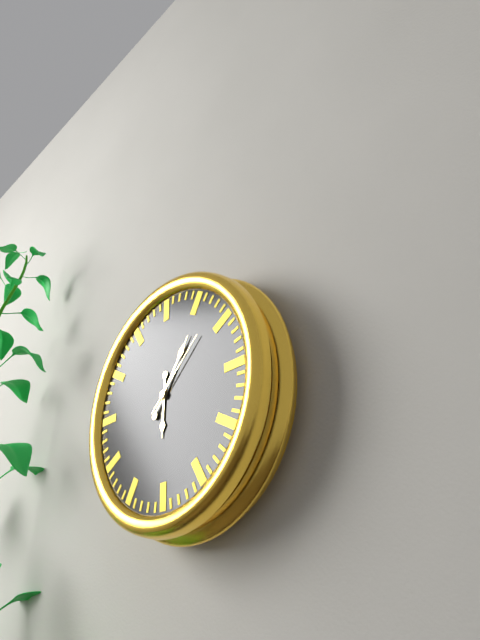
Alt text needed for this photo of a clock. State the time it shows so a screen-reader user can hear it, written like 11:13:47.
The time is 6:06:08
